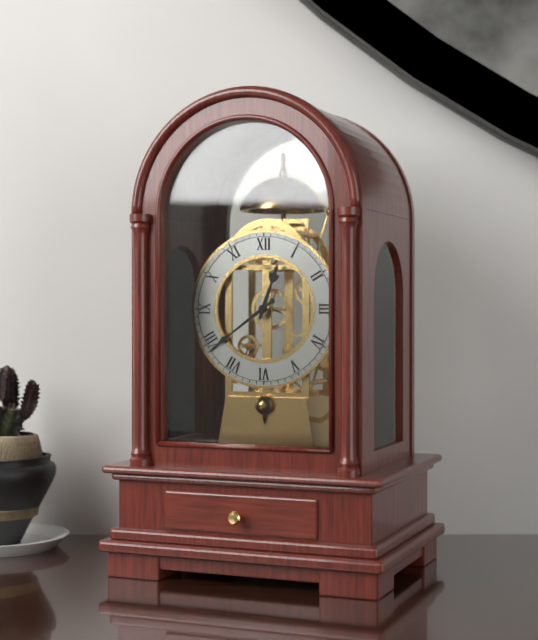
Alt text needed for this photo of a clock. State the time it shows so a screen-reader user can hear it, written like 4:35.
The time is 12:39
